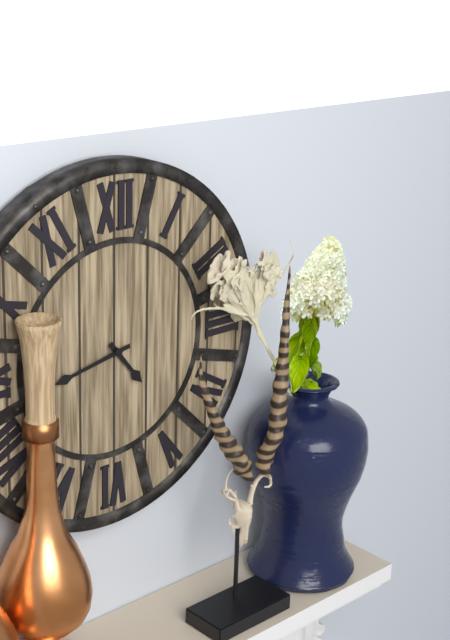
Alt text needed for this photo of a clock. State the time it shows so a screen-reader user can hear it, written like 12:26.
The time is 4:43
